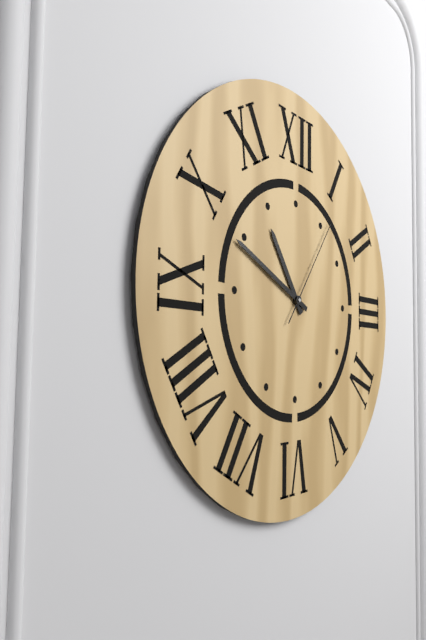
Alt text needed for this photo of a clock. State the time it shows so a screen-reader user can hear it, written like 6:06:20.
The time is 10:49:06
